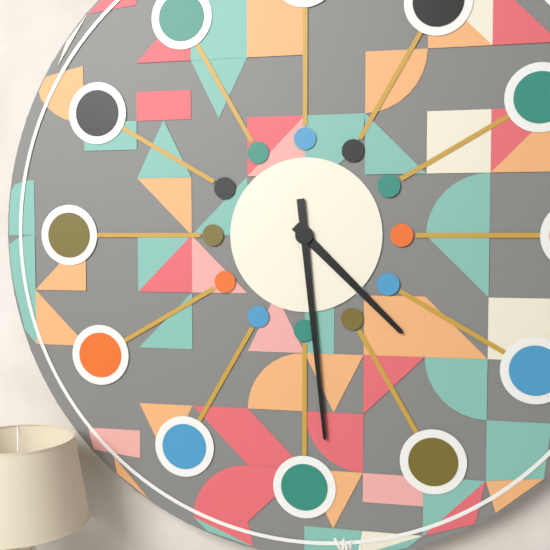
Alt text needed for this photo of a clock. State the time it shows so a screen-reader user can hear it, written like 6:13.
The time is 4:29
